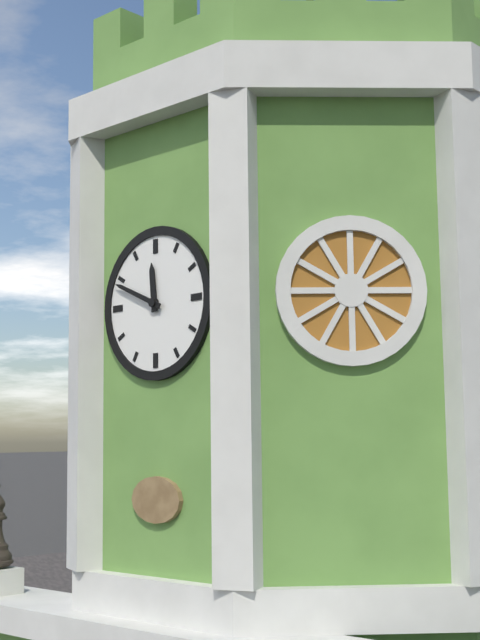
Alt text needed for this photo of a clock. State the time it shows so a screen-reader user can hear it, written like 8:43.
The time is 11:49
